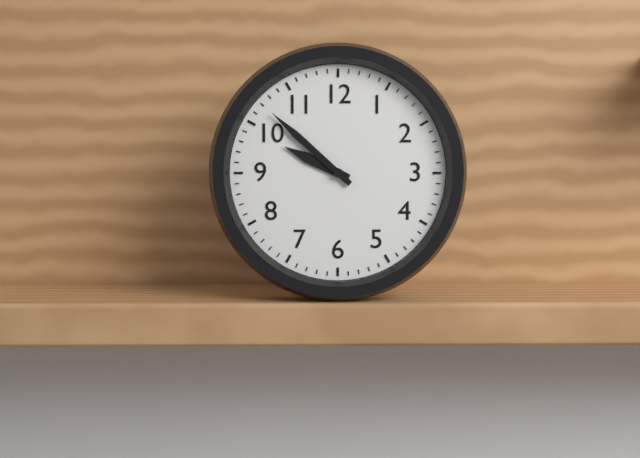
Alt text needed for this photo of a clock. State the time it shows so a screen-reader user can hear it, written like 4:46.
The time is 9:52
